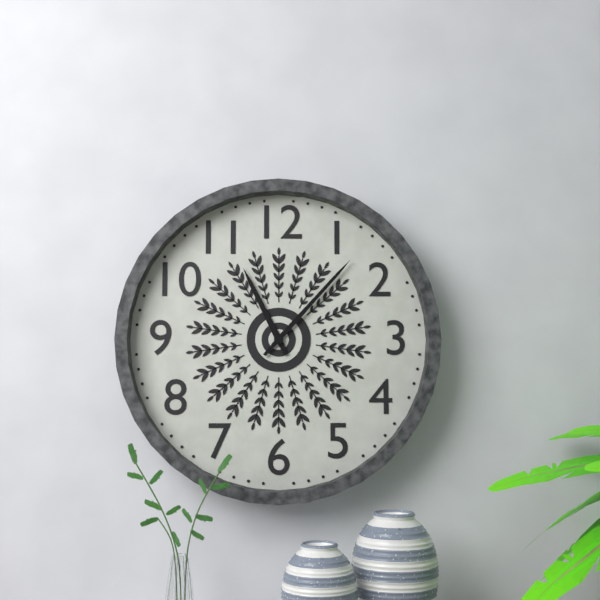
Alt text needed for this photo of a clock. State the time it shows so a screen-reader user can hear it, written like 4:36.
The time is 11:07
